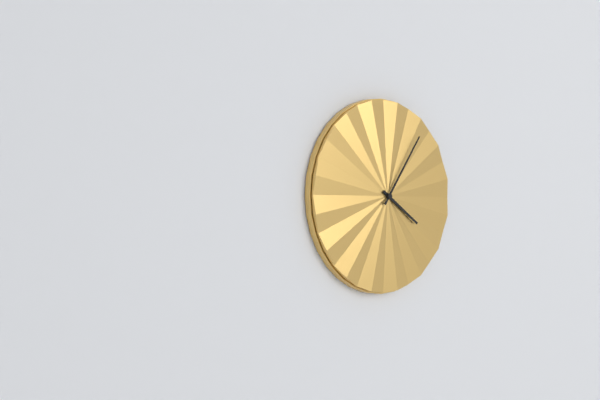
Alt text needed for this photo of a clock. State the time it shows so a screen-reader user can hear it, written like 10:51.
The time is 4:06
